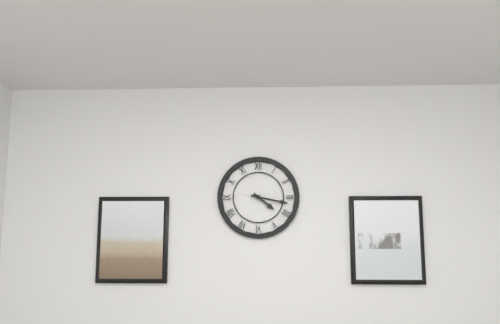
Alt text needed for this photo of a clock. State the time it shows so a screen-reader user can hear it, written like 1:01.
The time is 4:17
